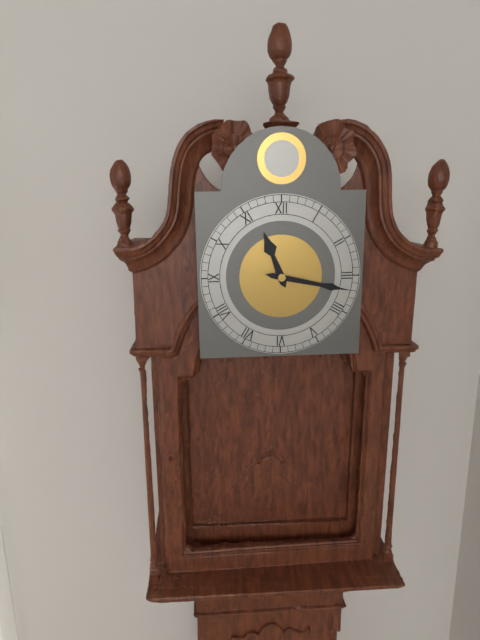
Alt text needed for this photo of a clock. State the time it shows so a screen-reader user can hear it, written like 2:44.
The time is 11:17
